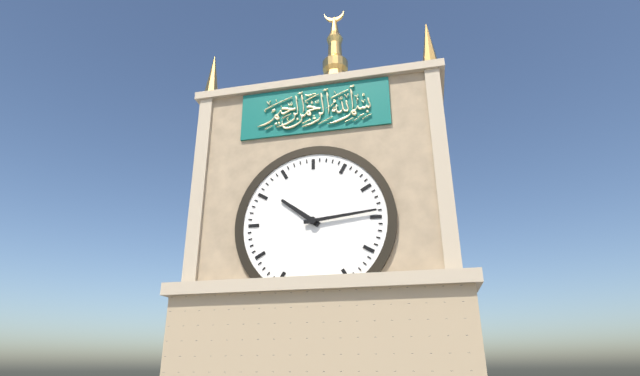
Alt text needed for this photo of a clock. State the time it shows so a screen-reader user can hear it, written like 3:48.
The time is 10:14
